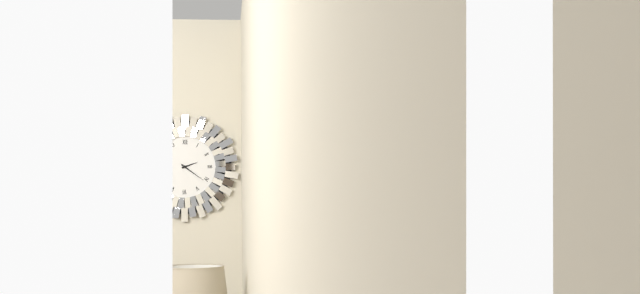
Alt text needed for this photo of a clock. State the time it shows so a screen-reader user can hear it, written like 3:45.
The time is 2:21
